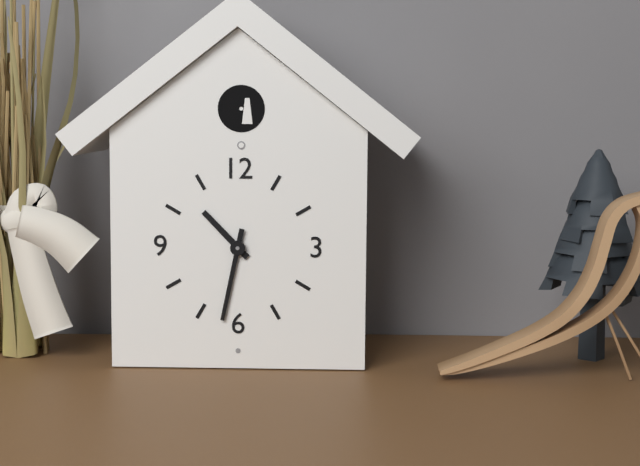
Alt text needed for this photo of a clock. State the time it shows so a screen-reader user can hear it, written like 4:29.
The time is 10:32
